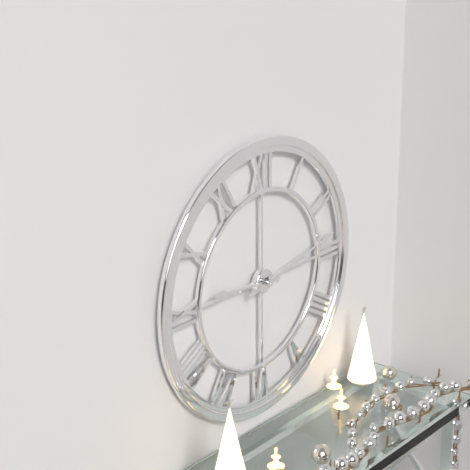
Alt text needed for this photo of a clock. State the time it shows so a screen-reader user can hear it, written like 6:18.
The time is 9:13
